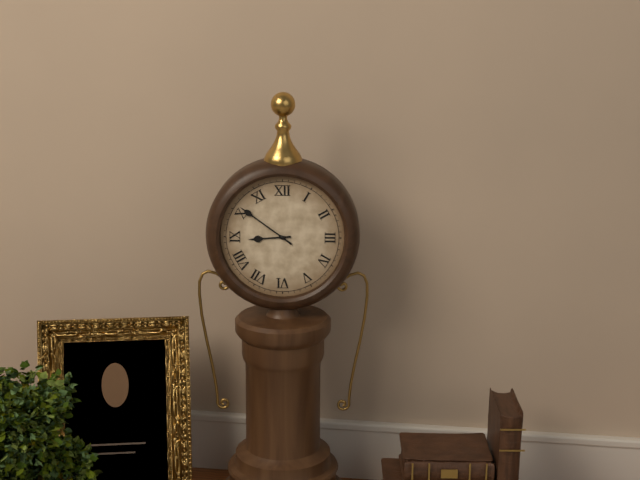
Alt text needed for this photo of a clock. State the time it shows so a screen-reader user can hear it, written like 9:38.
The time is 8:51
